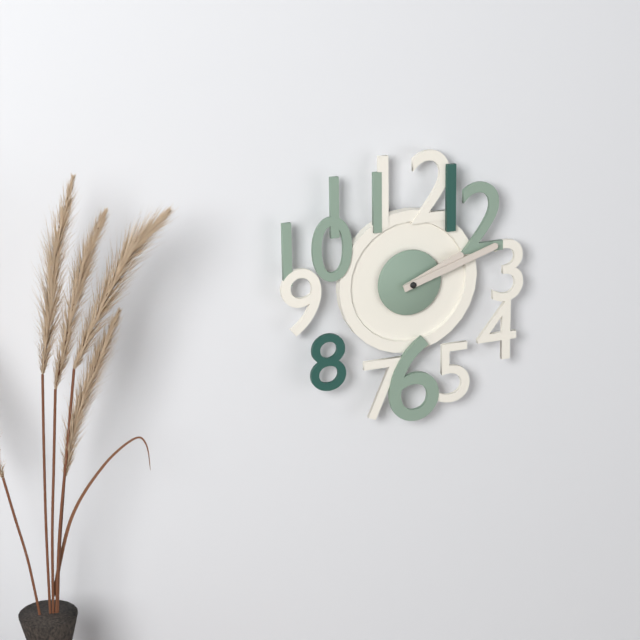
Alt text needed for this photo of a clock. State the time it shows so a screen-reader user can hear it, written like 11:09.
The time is 2:12
